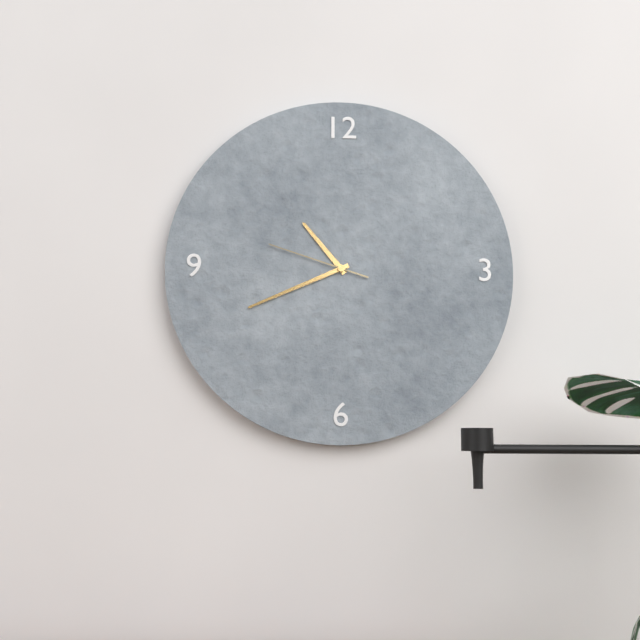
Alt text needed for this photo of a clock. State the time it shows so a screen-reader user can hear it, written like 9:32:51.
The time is 10:41:48
